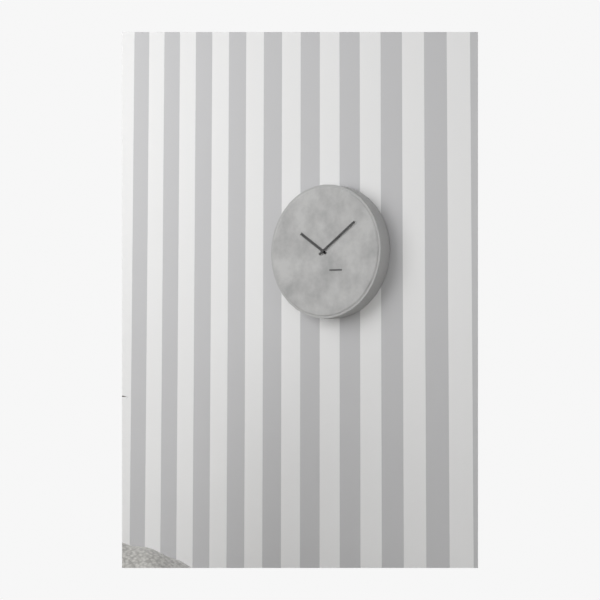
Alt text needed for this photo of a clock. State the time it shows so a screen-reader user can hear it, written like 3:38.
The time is 10:09
